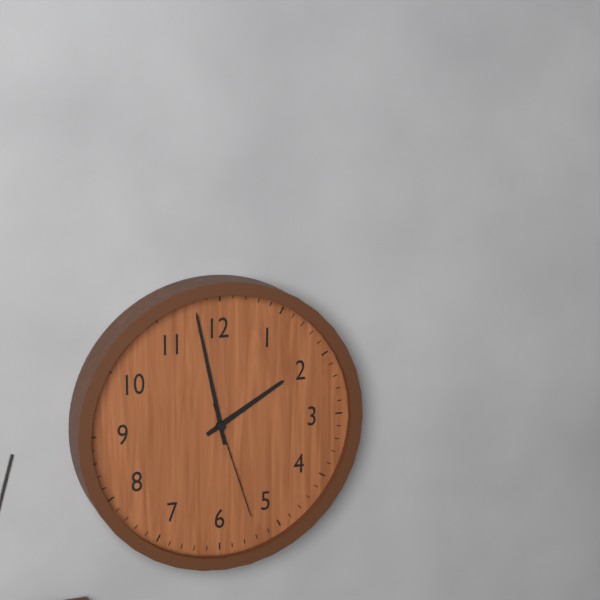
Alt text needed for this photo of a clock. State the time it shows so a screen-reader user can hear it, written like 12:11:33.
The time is 1:58:27
